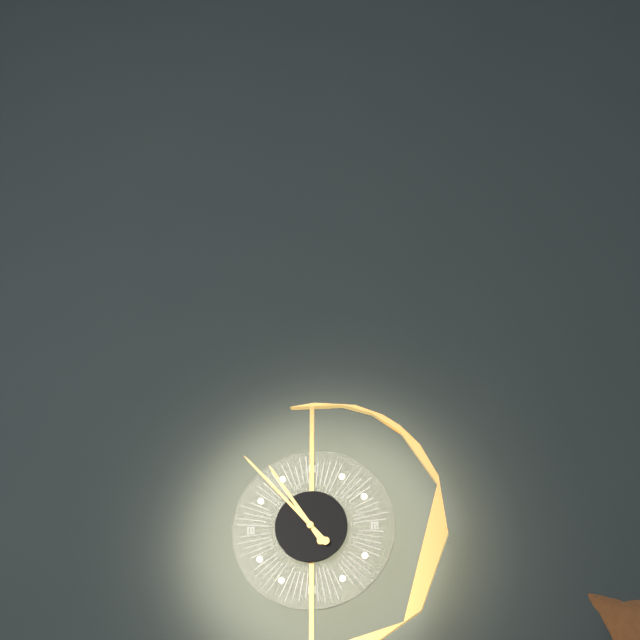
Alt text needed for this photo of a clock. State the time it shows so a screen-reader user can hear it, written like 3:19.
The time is 10:53
